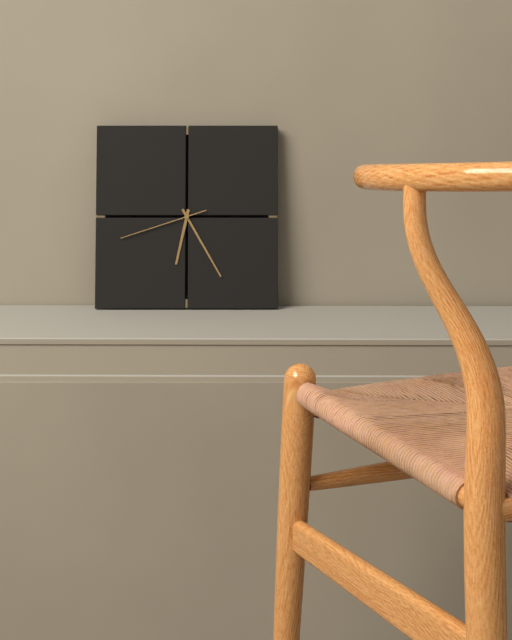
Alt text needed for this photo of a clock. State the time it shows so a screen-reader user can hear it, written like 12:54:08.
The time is 6:25:42
